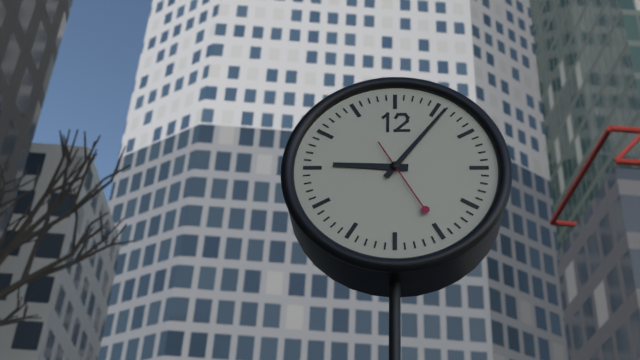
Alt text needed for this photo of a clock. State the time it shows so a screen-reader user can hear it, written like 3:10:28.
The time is 9:06:25
